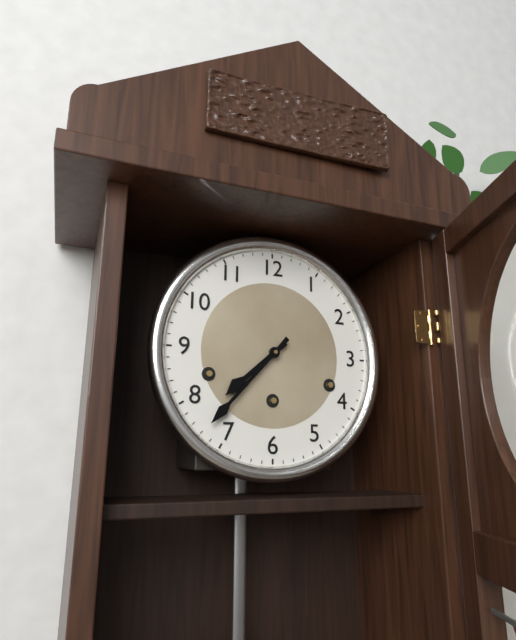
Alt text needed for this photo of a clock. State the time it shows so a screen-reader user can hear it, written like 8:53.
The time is 7:37
